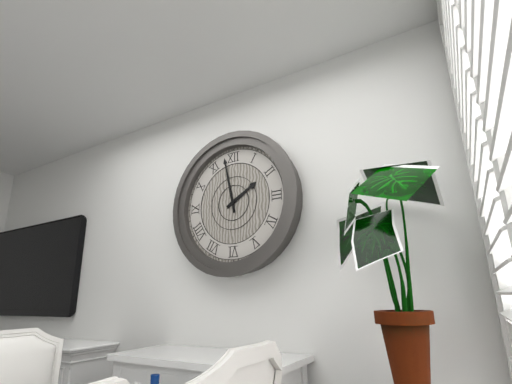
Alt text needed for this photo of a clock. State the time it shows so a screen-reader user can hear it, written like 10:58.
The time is 1:58
